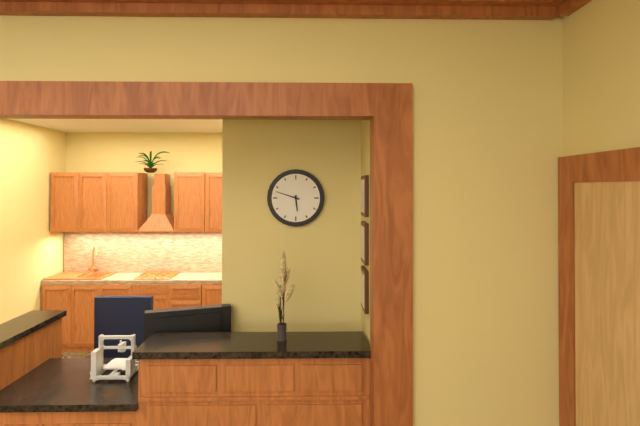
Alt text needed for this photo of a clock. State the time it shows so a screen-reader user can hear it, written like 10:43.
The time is 5:48
